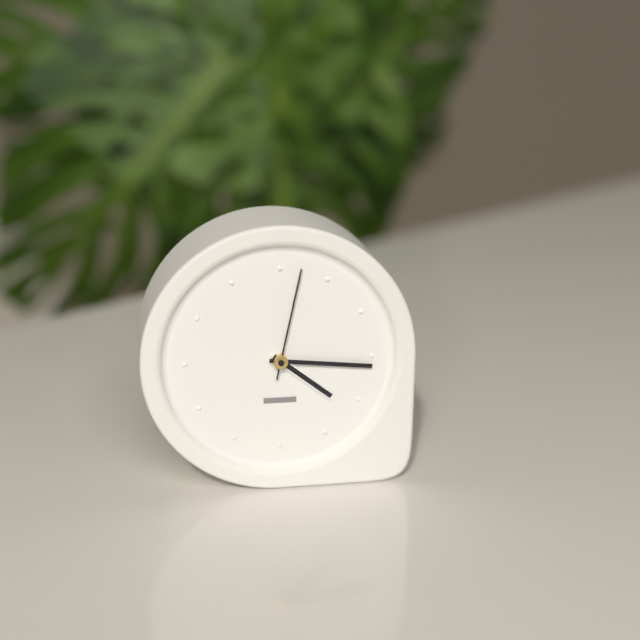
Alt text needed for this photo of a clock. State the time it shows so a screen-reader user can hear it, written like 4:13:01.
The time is 4:16:02
